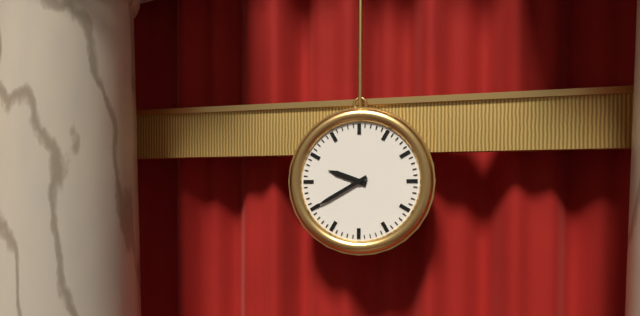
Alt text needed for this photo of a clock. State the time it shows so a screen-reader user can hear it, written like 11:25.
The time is 9:40
